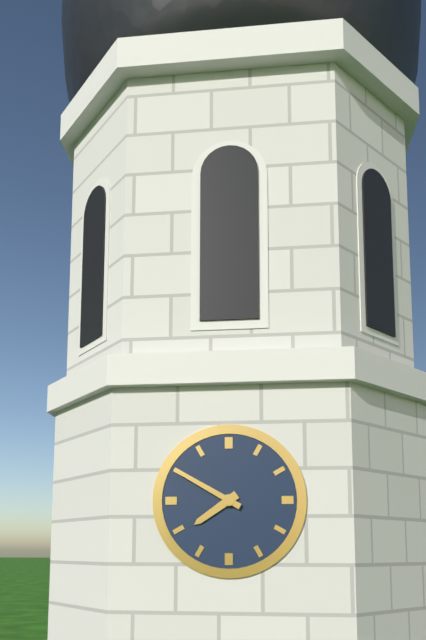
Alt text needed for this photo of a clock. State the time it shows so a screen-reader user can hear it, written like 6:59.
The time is 7:50
